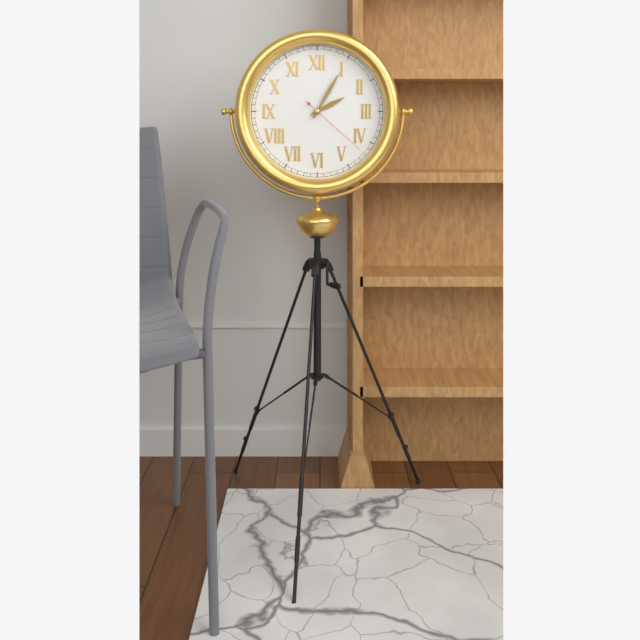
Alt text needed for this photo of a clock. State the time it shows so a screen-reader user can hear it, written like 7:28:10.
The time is 2:05:22
